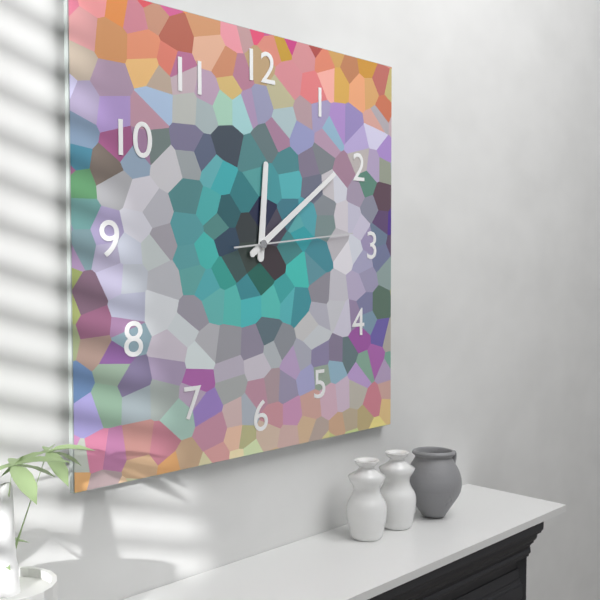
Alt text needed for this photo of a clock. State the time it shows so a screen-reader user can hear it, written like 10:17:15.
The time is 12:09:14
